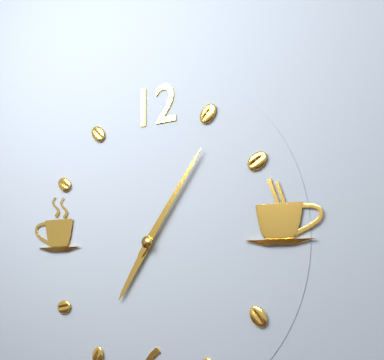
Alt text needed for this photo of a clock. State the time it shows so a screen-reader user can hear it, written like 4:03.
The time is 7:06
